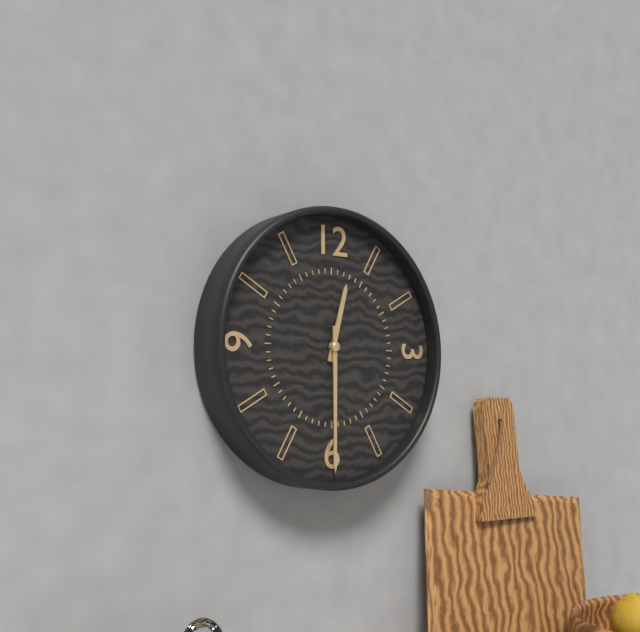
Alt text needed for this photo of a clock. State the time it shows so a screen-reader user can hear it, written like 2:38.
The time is 12:30
